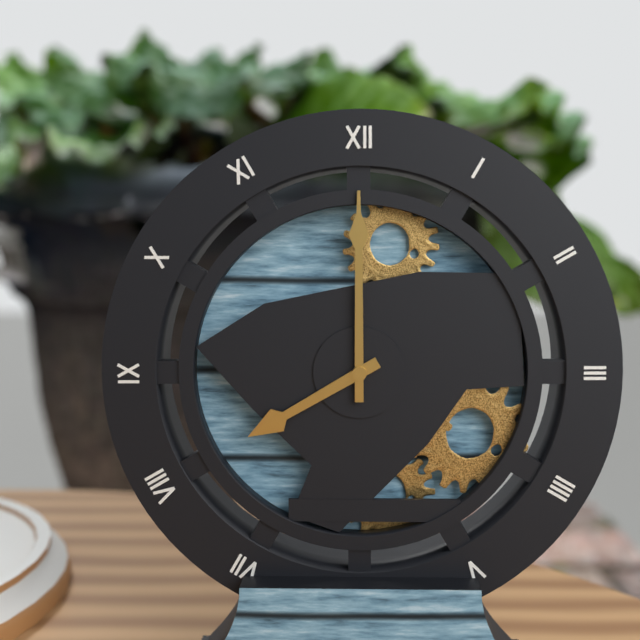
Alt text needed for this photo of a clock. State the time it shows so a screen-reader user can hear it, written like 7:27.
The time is 8:00
